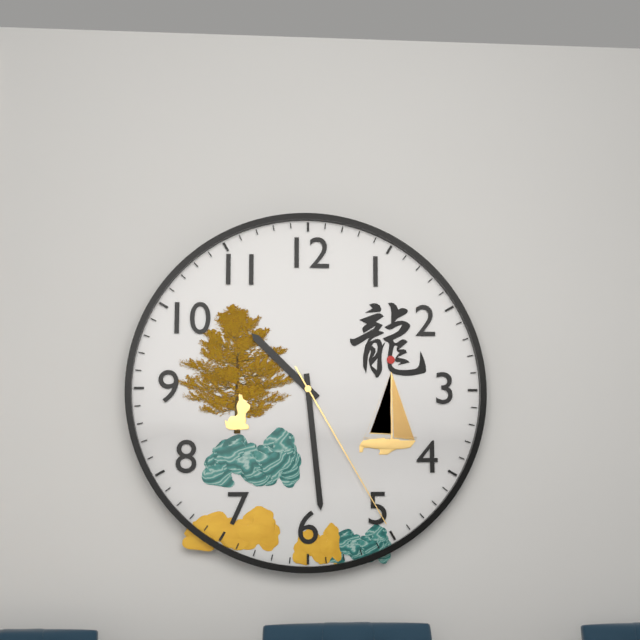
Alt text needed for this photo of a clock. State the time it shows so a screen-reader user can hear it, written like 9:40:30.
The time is 10:29:25
